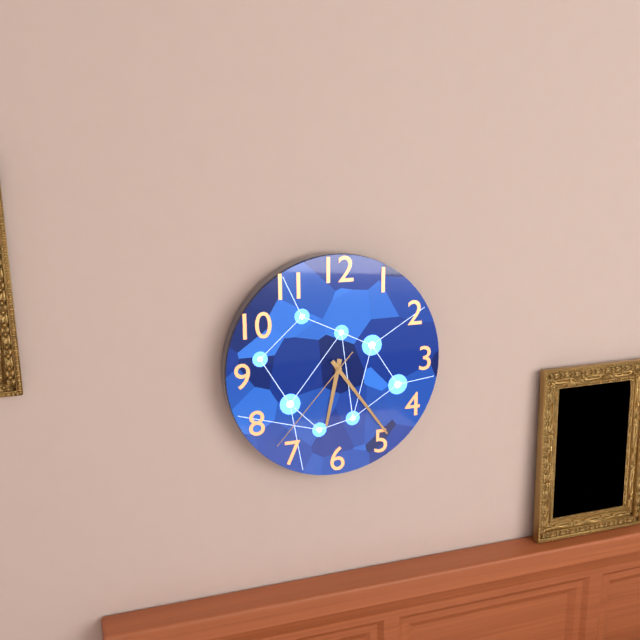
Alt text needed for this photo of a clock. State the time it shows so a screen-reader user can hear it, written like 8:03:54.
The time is 6:24:37
